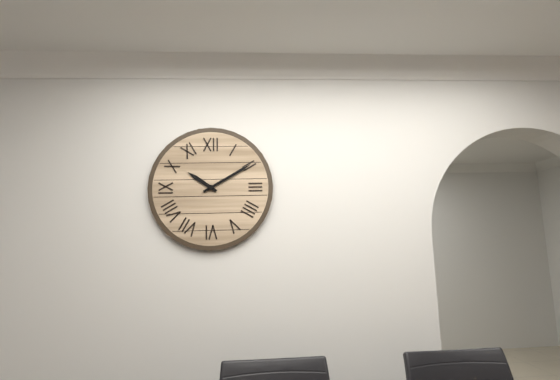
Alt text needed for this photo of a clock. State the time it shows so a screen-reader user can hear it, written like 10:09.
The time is 10:10
